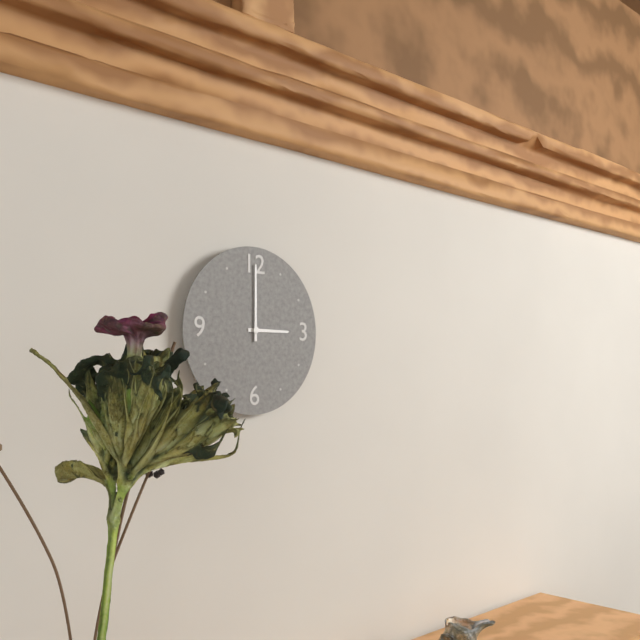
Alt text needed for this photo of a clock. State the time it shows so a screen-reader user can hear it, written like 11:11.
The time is 3:00
